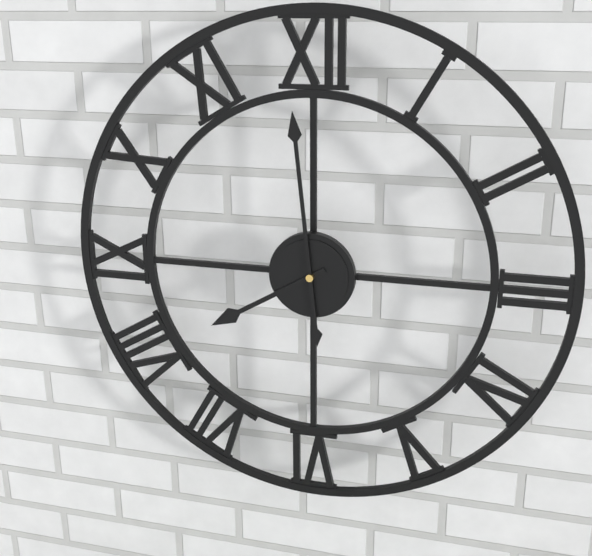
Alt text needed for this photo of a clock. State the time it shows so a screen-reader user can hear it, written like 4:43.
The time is 7:59
